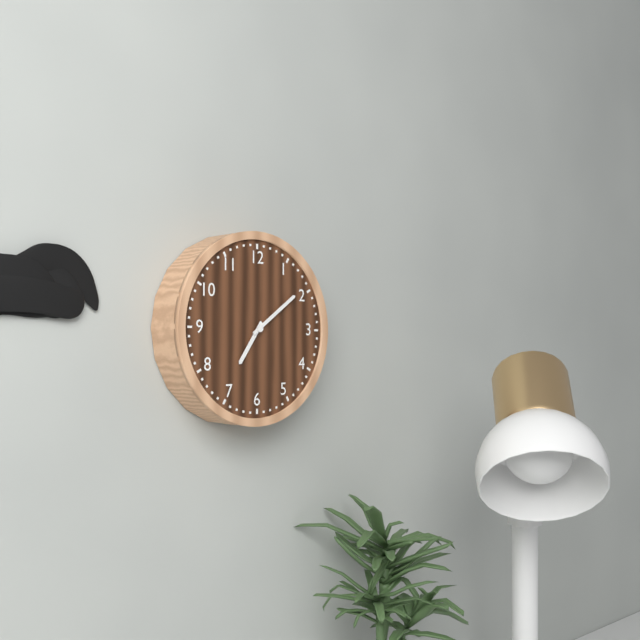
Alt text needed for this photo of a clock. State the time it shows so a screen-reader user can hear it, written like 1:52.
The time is 7:09
